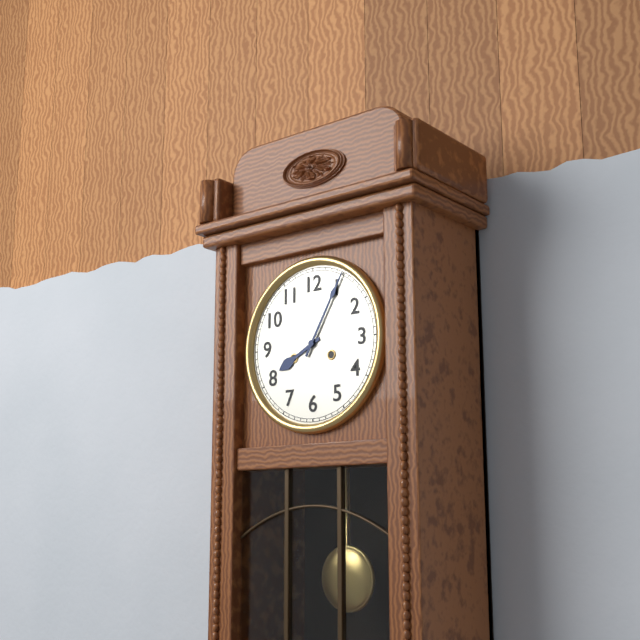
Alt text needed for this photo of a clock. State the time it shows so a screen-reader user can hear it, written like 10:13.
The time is 8:05
